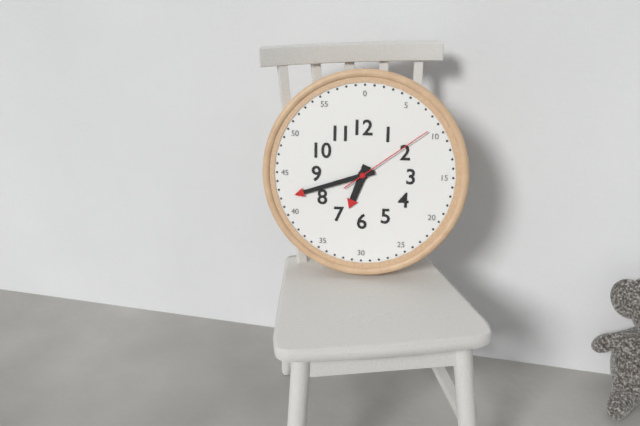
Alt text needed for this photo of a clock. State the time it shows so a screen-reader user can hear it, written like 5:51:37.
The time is 6:42:09
